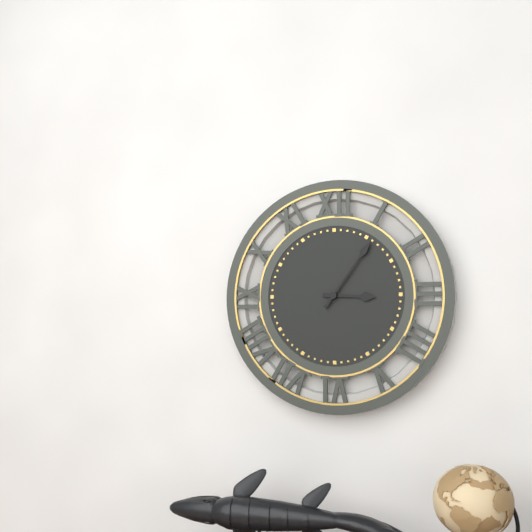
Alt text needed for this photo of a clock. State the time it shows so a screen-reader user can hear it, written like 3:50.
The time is 3:06
